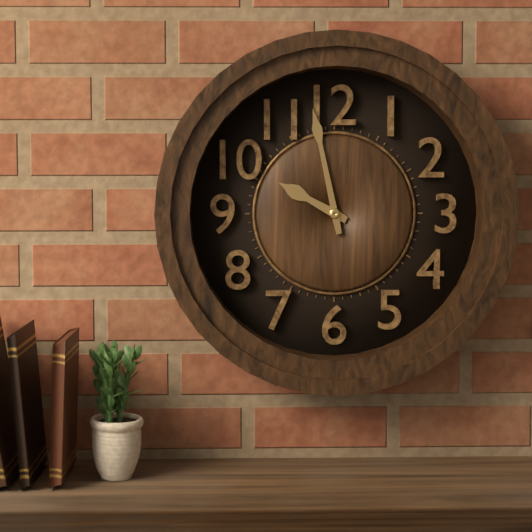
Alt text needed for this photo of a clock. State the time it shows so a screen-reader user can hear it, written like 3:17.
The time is 9:58
